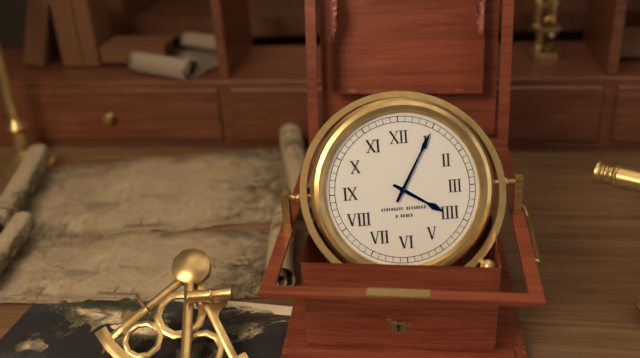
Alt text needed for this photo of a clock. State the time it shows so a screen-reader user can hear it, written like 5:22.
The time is 4:05
